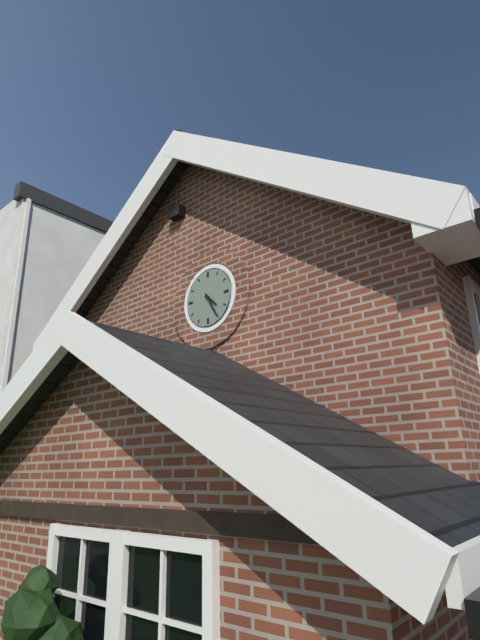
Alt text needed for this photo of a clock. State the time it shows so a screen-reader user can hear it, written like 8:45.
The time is 4:25
